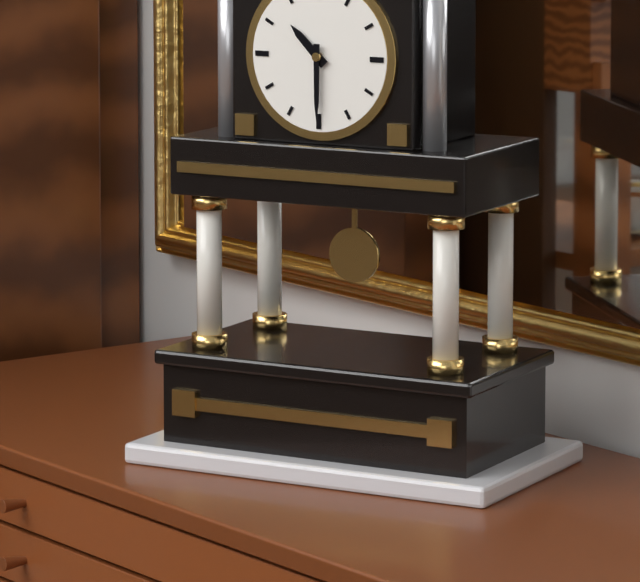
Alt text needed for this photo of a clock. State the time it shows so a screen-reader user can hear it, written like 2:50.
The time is 10:30
